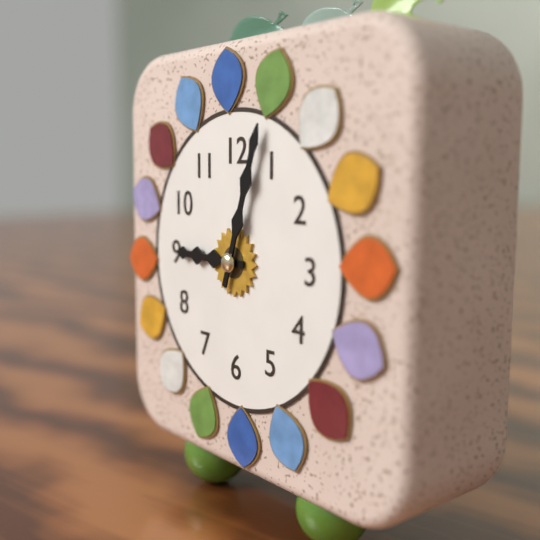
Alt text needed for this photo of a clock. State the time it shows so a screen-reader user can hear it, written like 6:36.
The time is 9:03
